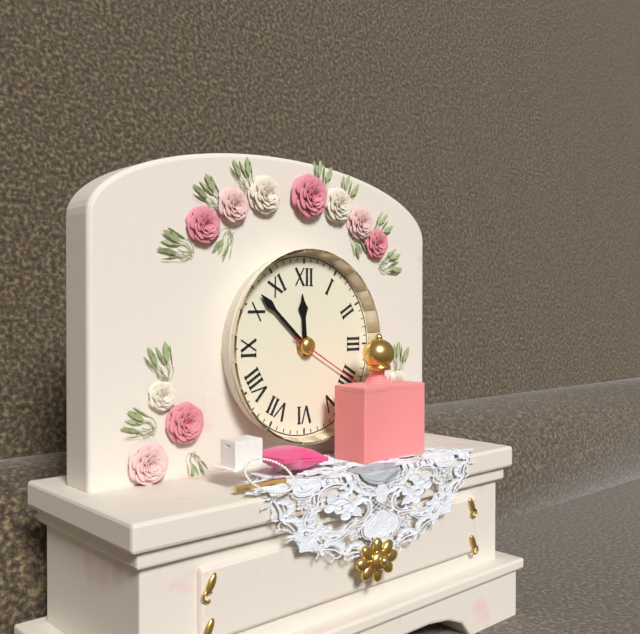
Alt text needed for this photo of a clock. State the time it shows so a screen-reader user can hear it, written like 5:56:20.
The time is 11:52:20
